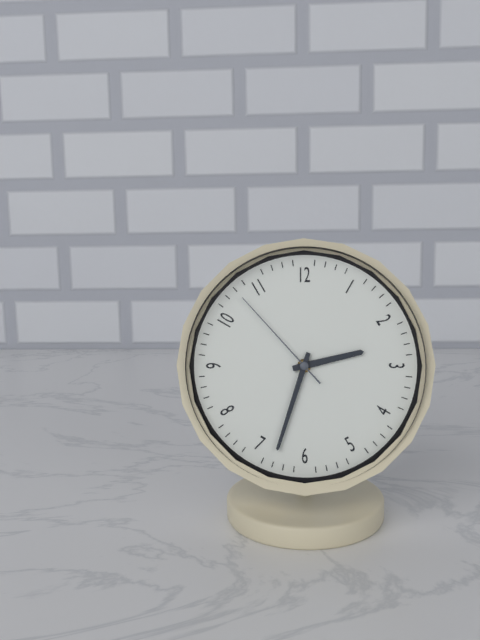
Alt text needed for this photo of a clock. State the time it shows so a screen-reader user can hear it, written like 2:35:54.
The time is 2:33:53
